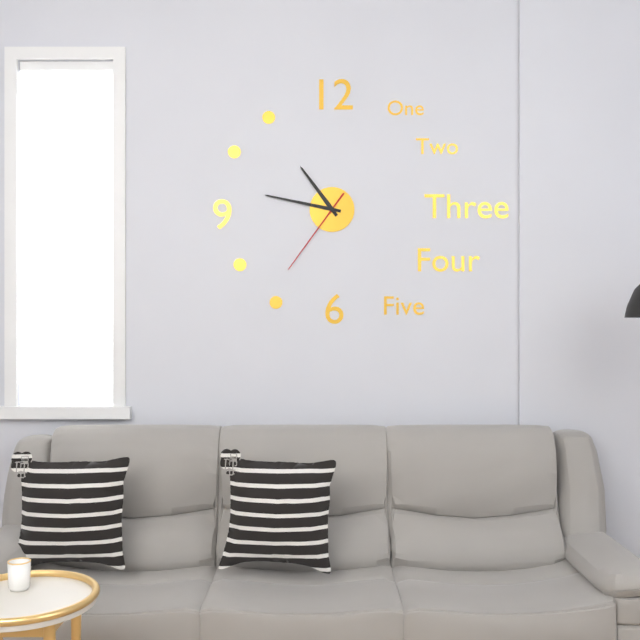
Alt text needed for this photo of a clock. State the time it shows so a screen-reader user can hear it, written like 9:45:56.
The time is 10:47:36
